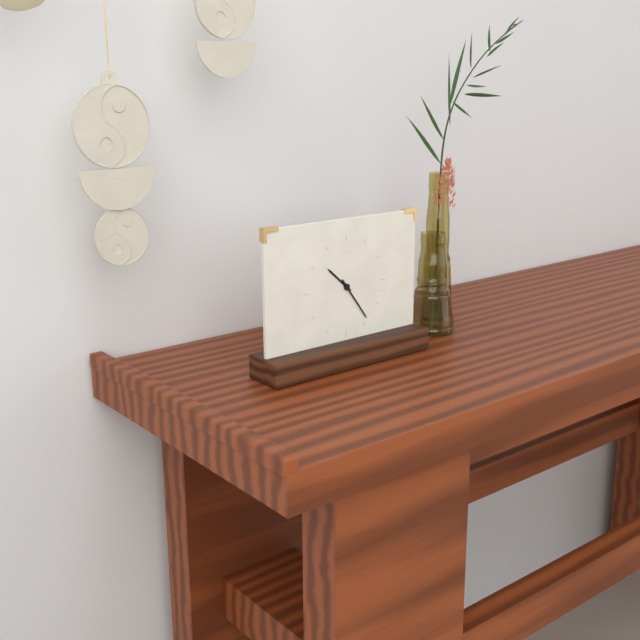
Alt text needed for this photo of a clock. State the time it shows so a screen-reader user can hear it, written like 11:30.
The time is 10:24
